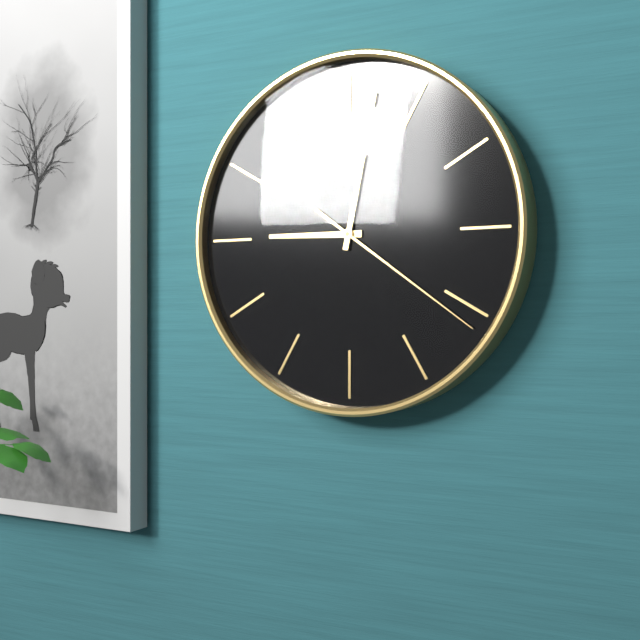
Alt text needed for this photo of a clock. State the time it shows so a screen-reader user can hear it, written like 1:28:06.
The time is 9:02:21
